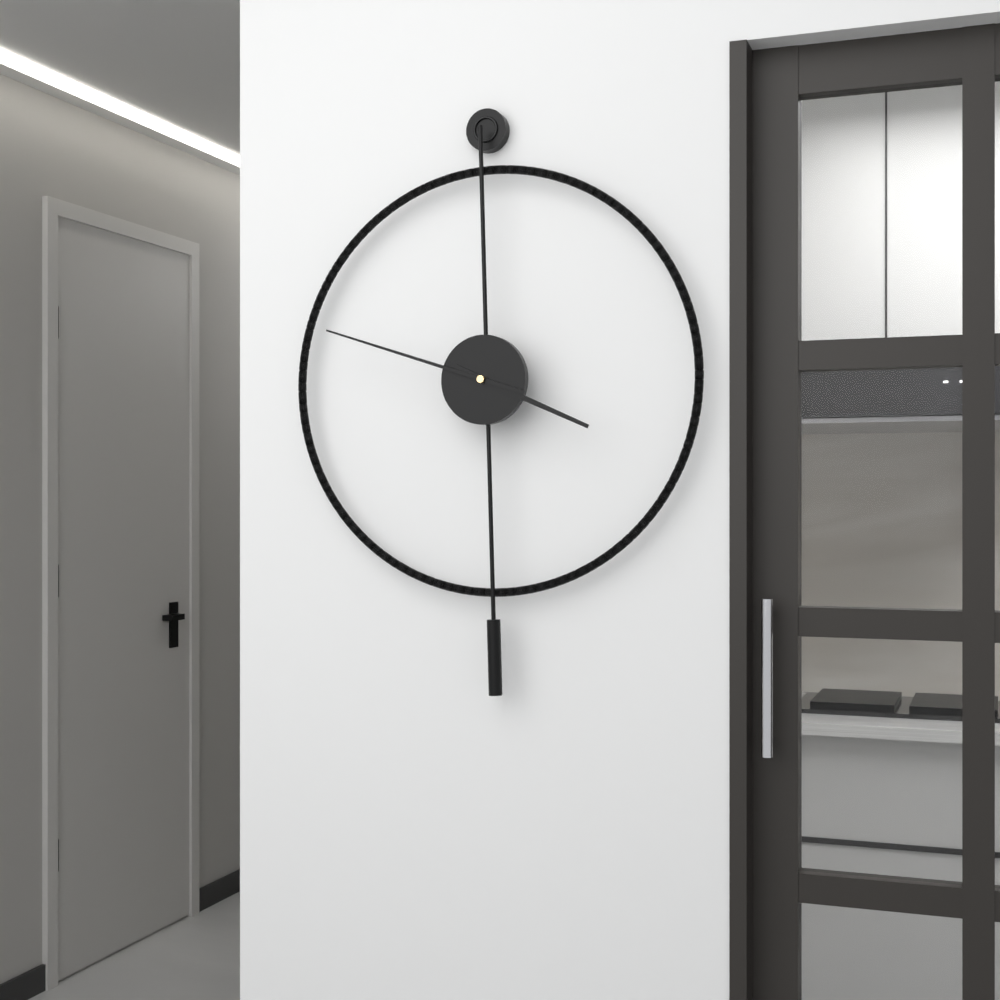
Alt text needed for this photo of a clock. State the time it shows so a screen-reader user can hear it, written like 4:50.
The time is 3:48
